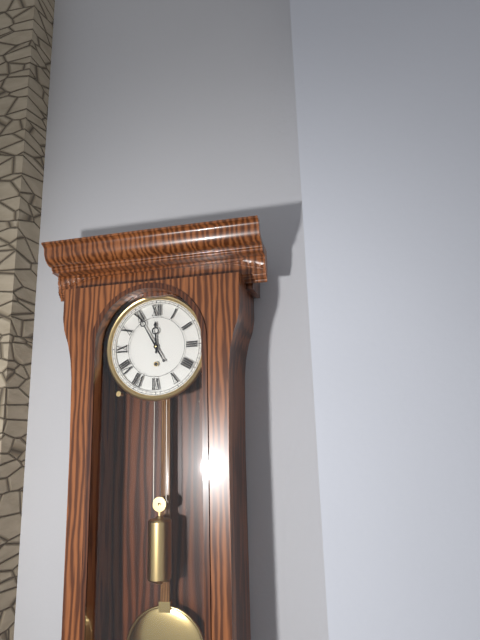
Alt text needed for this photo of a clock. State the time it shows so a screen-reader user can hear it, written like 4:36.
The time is 11:55
